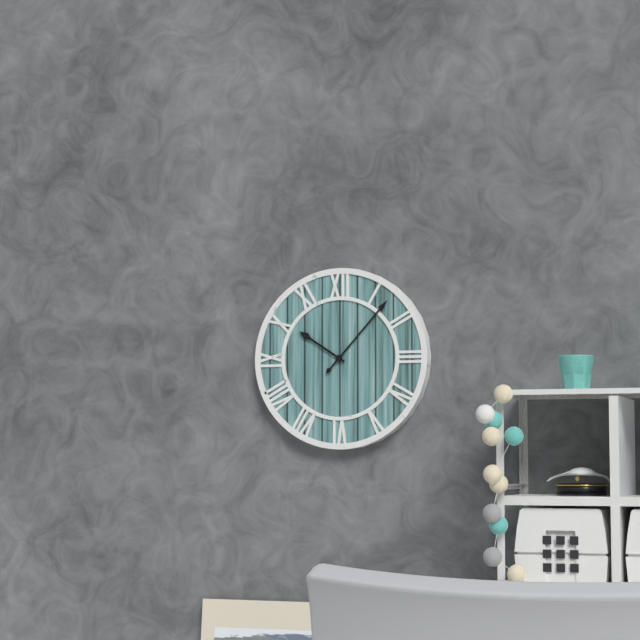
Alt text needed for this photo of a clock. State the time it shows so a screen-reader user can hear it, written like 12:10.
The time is 10:07
